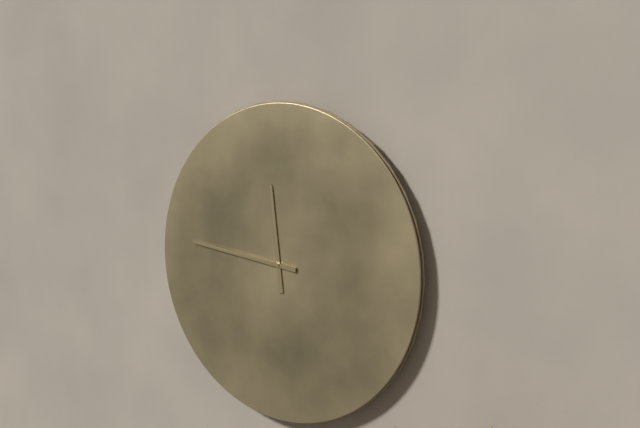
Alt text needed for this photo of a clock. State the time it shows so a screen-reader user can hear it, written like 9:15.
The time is 11:46
